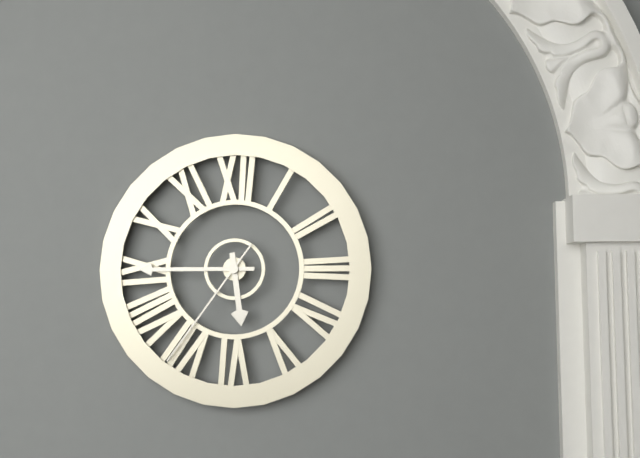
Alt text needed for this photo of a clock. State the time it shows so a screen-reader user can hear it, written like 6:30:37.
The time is 5:45:36
